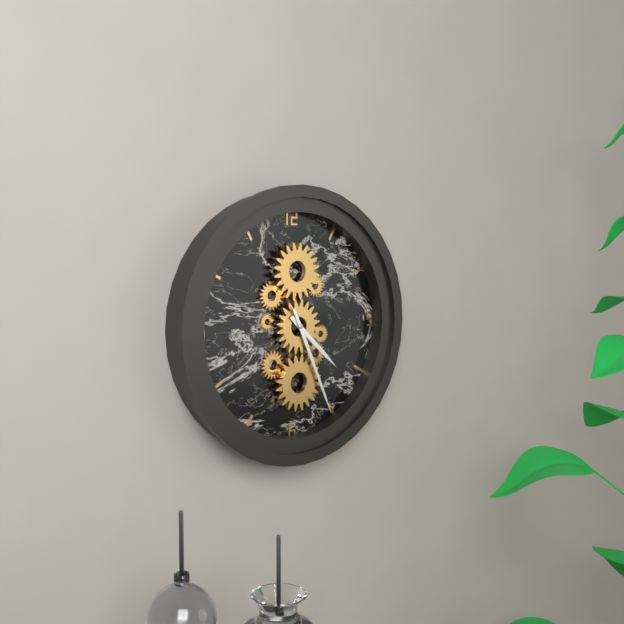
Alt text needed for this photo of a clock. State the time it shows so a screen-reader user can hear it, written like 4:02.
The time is 4:26
